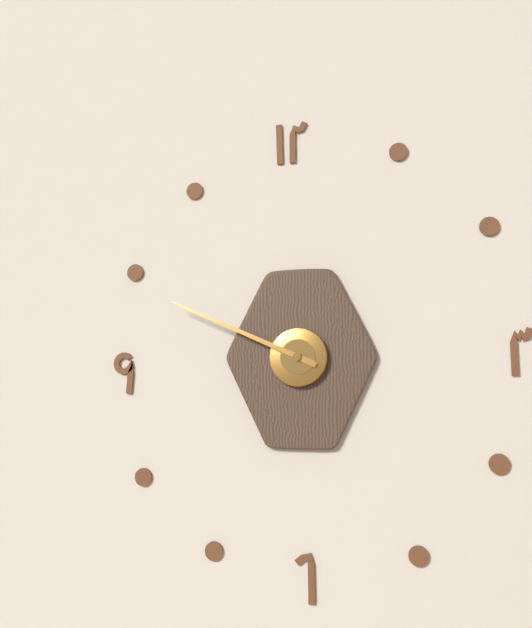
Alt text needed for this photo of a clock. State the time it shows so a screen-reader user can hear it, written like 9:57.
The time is 9:49
